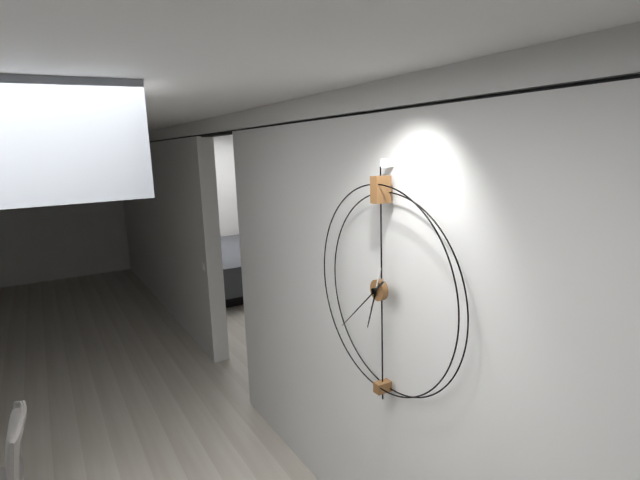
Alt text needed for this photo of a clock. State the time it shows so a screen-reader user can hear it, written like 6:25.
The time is 6:38
